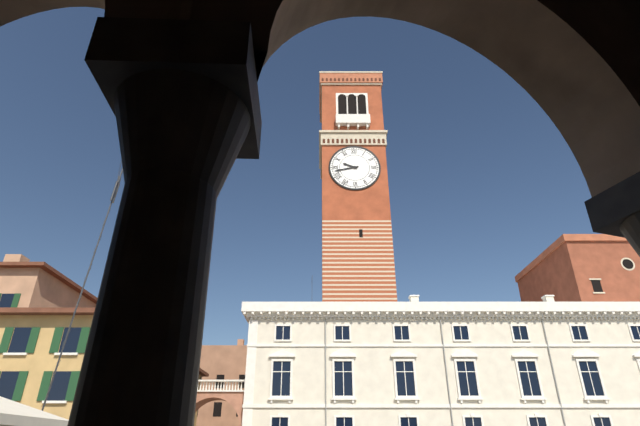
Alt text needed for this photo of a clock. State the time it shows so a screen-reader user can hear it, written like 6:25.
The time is 9:43
